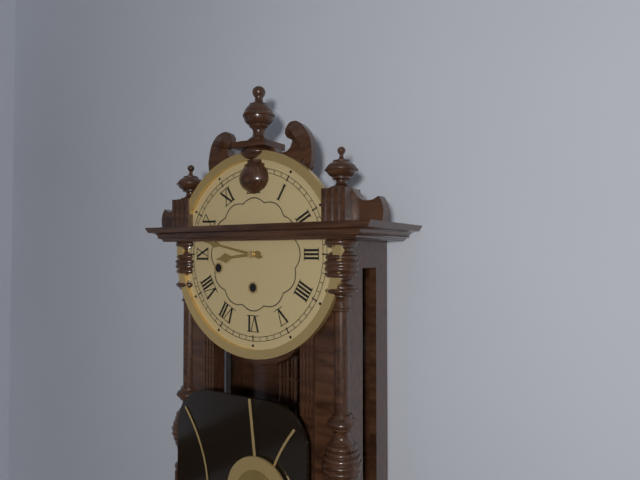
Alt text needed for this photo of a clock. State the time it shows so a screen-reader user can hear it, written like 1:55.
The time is 8:47
